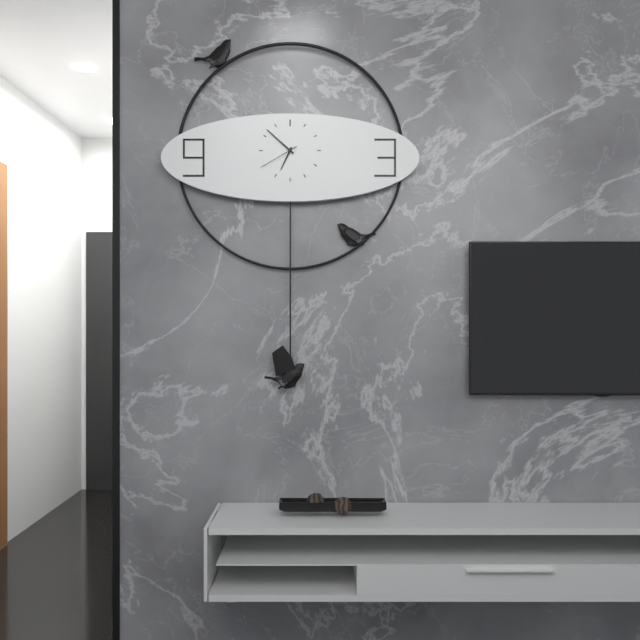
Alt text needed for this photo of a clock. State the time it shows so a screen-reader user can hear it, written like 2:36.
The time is 6:52
